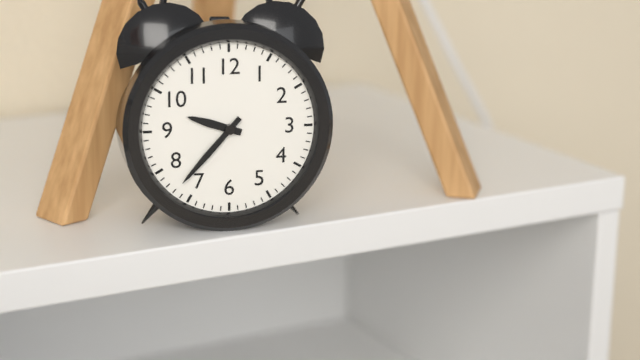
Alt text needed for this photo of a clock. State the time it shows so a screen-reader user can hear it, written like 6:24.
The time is 9:37
